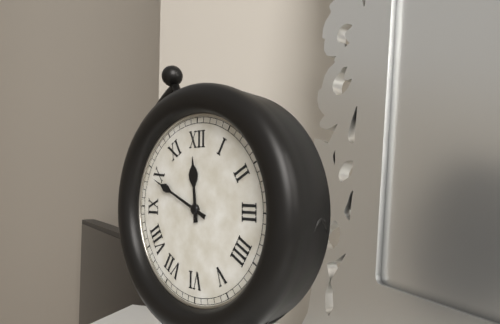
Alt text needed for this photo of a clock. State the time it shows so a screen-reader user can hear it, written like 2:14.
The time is 11:49
